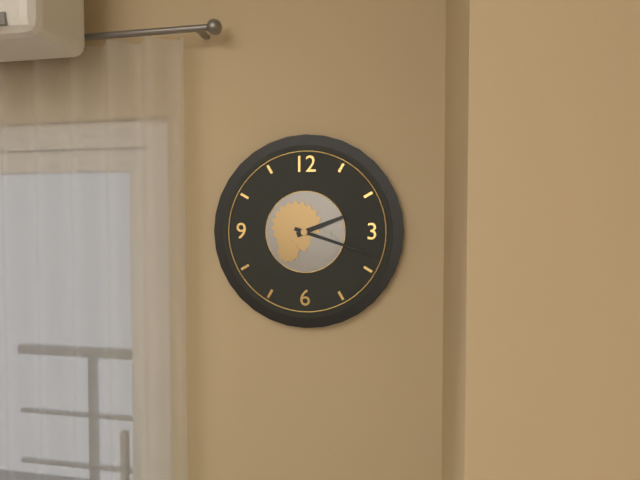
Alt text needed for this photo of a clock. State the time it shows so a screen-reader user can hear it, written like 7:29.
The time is 2:18
